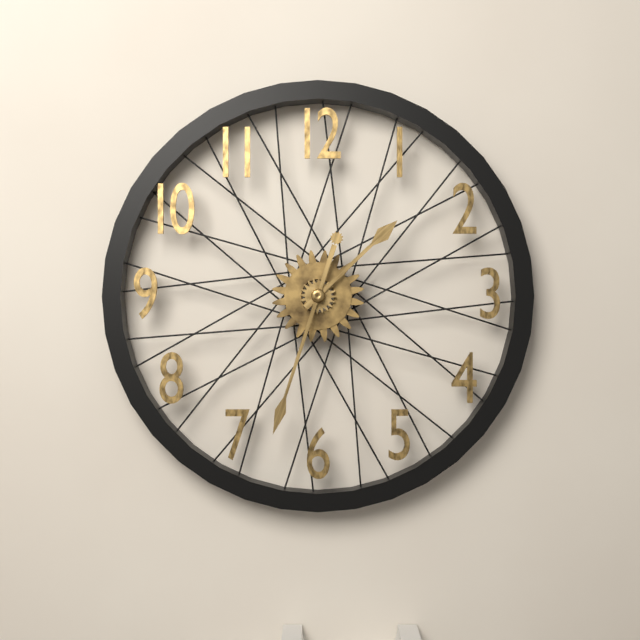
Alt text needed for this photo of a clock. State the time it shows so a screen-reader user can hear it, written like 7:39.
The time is 1:33
